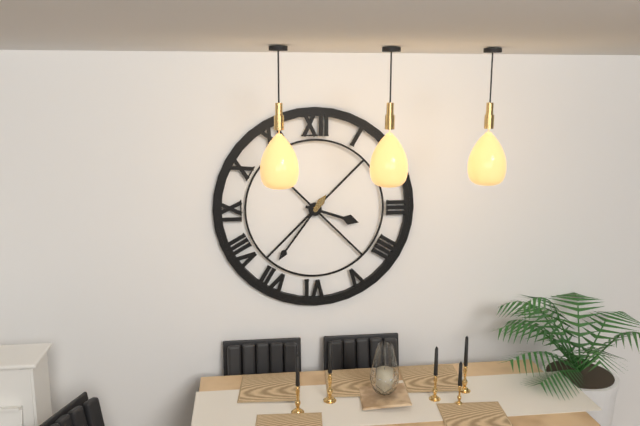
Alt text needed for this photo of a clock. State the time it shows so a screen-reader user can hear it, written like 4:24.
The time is 3:36
